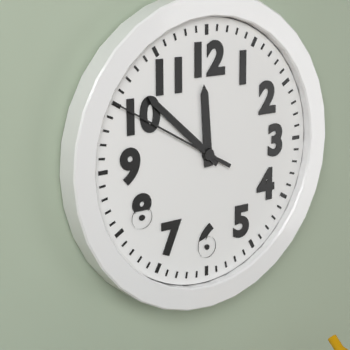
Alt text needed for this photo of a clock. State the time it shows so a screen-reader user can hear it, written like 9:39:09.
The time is 11:52:50
